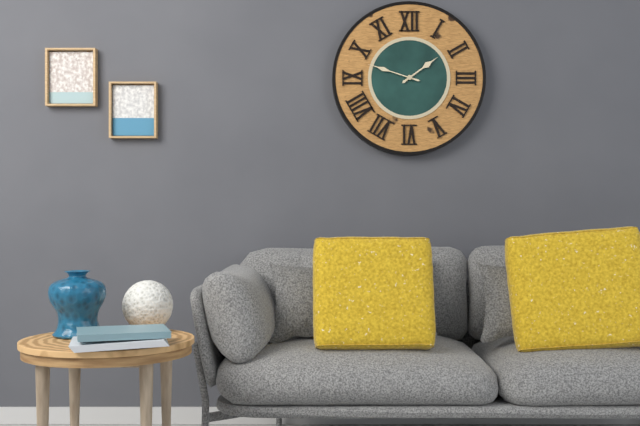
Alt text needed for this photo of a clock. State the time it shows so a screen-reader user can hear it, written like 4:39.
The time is 1:48
